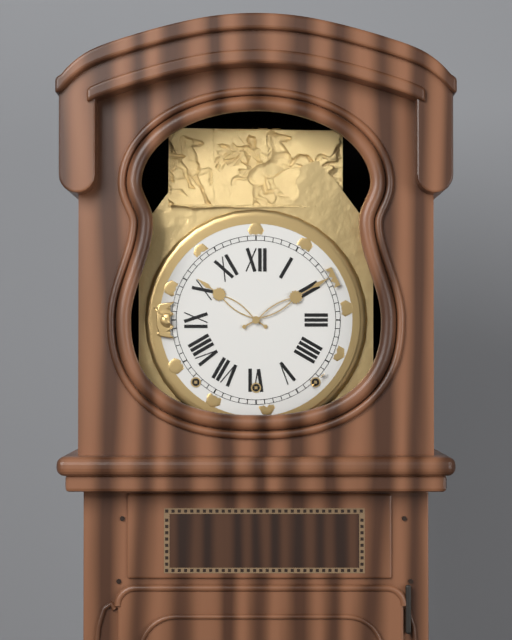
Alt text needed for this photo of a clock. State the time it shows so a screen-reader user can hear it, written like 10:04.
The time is 10:10
